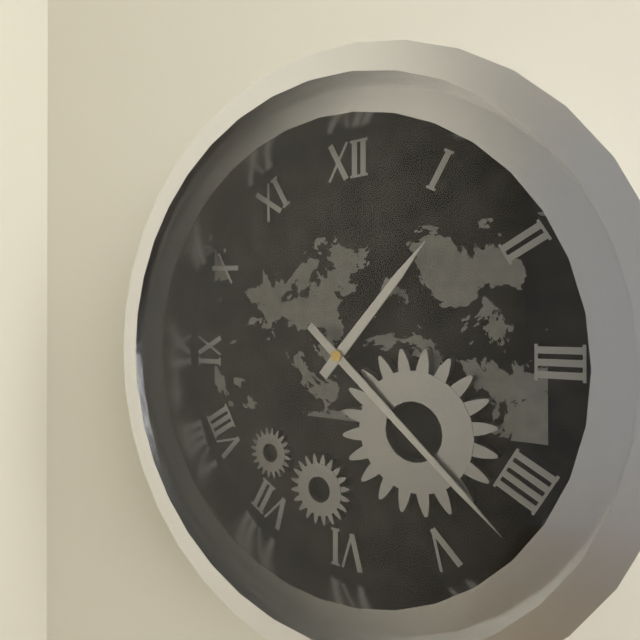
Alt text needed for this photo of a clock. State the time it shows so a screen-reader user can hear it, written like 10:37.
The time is 1:22
